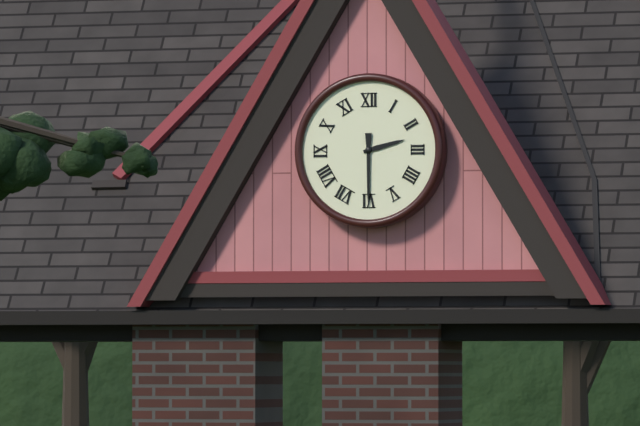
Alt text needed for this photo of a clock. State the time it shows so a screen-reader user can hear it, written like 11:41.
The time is 2:30
